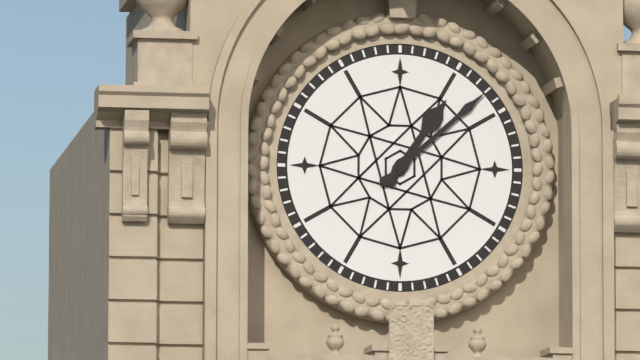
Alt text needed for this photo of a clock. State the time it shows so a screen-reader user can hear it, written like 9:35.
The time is 1:08
